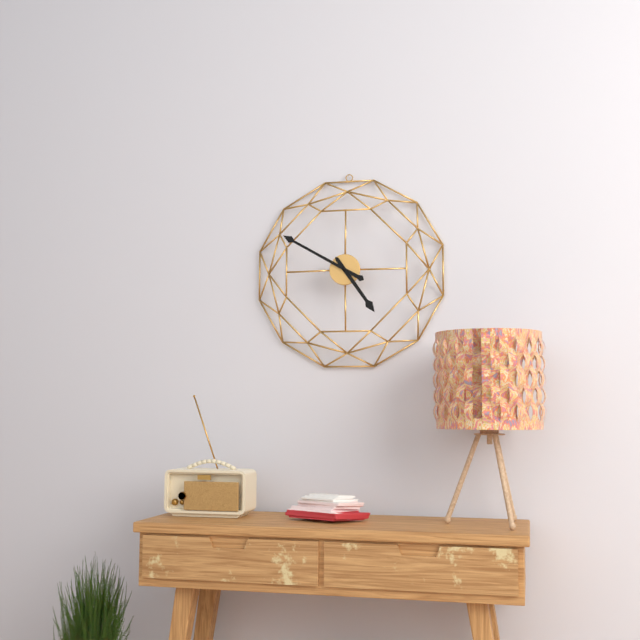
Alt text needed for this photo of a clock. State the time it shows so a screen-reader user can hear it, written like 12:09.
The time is 4:50
